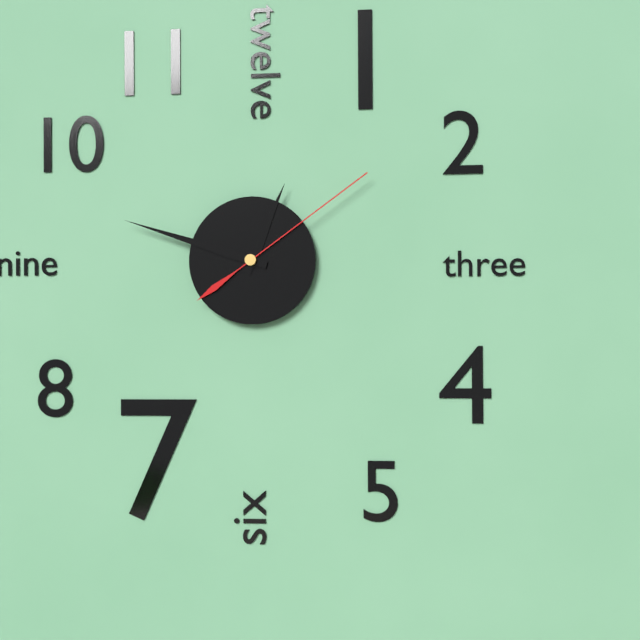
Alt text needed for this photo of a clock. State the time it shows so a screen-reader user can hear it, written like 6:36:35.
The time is 12:48:09
